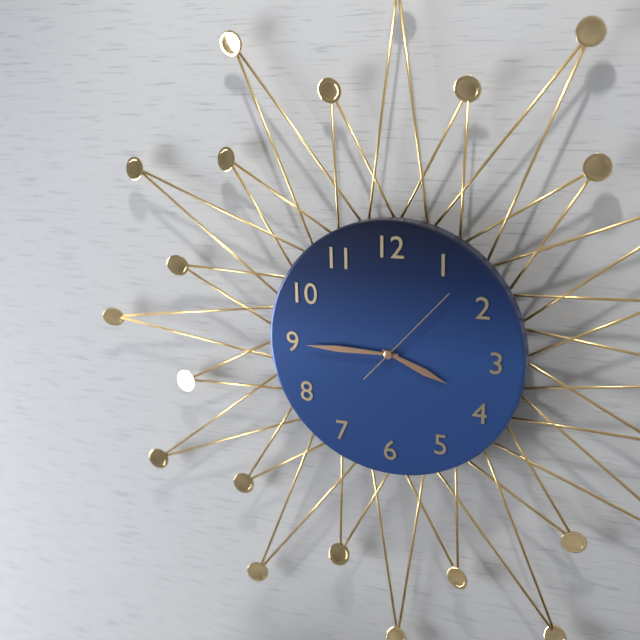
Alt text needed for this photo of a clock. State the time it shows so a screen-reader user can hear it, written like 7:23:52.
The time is 3:45:07
